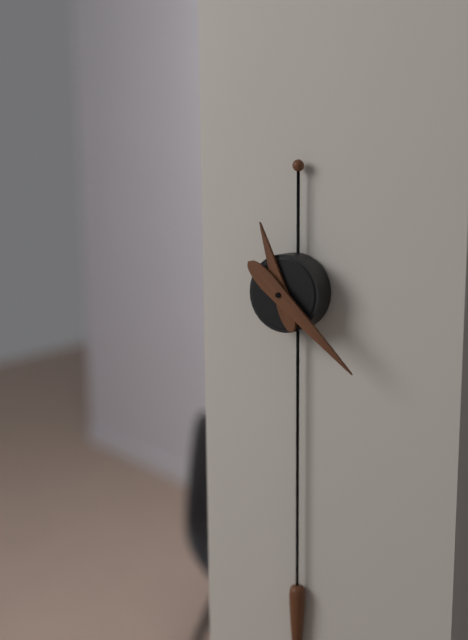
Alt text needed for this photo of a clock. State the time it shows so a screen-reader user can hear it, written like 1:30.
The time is 11:22
